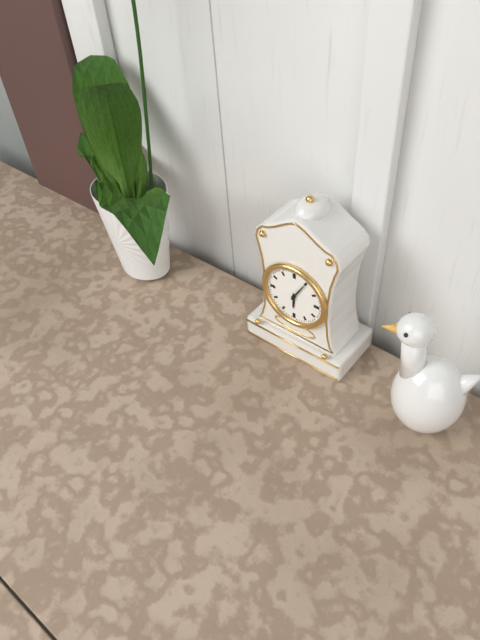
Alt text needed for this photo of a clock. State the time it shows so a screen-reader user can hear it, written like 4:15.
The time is 6:05
